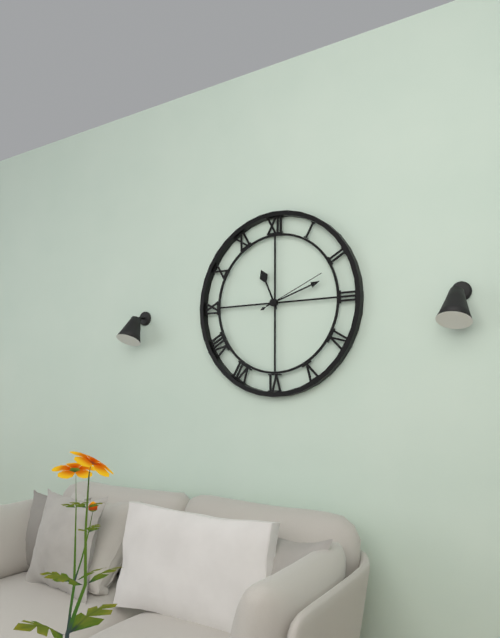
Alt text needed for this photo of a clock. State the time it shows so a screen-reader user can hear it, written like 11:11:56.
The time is 11:12:11
